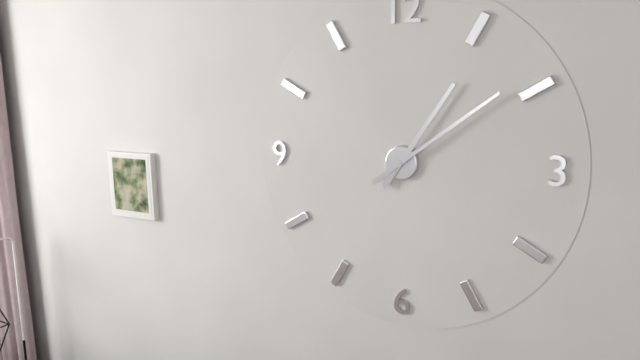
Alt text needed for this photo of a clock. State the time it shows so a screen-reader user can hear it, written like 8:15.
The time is 1:09
